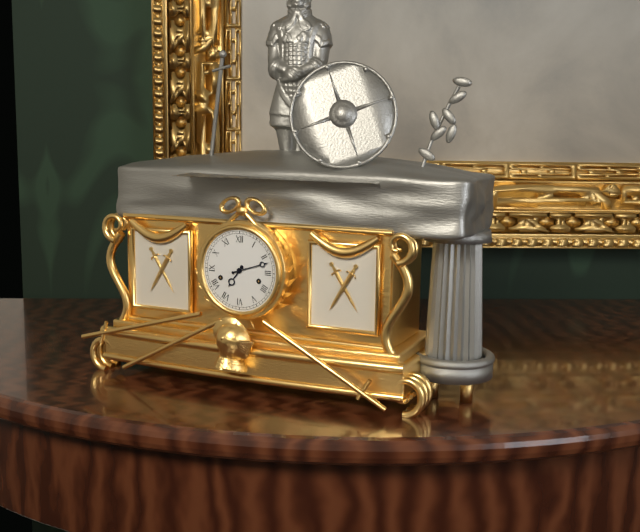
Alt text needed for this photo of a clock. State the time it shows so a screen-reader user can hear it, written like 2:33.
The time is 7:12
